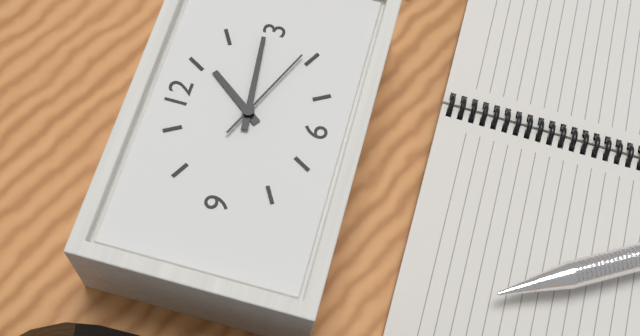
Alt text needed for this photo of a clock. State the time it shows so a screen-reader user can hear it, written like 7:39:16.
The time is 1:14:19
